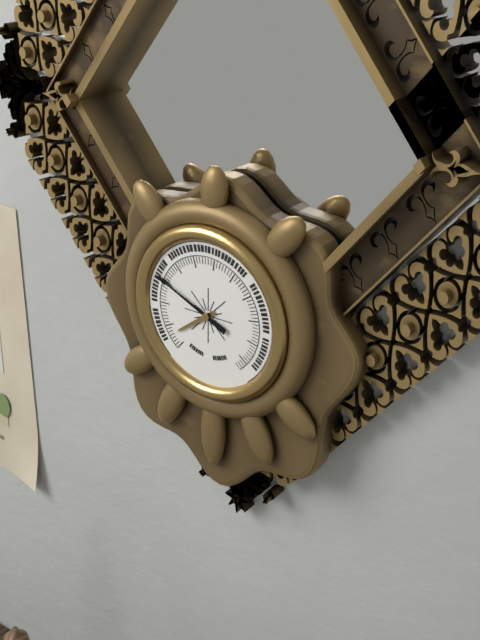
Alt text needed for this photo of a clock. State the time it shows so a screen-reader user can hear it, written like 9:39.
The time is 7:49
